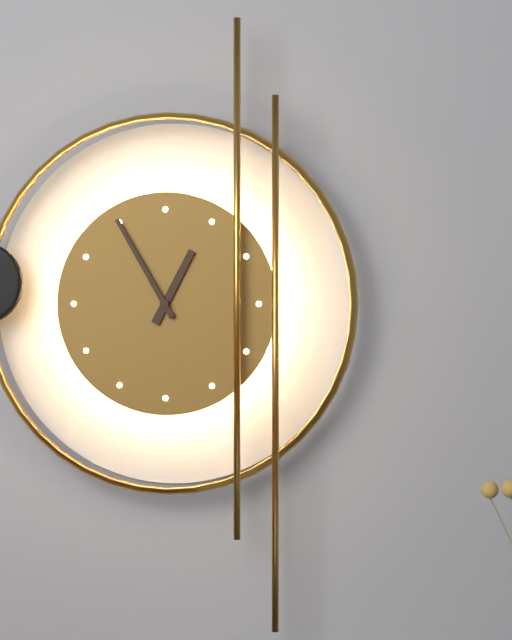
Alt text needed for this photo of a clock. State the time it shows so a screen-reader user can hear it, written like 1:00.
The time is 12:55
